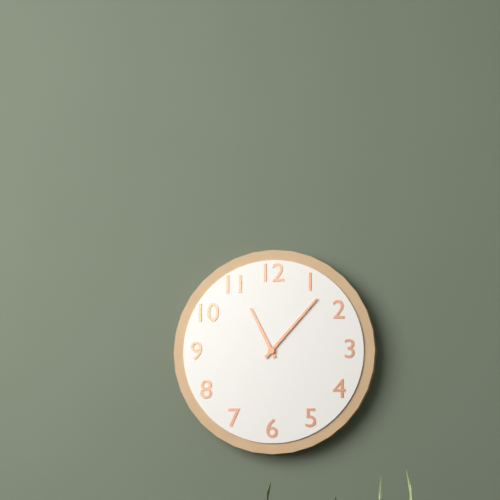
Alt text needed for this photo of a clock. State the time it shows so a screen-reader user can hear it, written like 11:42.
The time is 11:07
